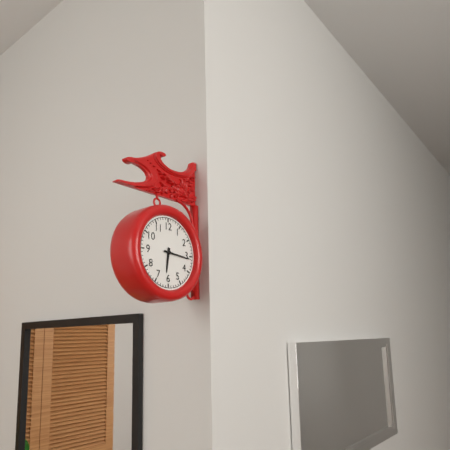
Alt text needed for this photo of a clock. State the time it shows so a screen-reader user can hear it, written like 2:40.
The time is 6:16
